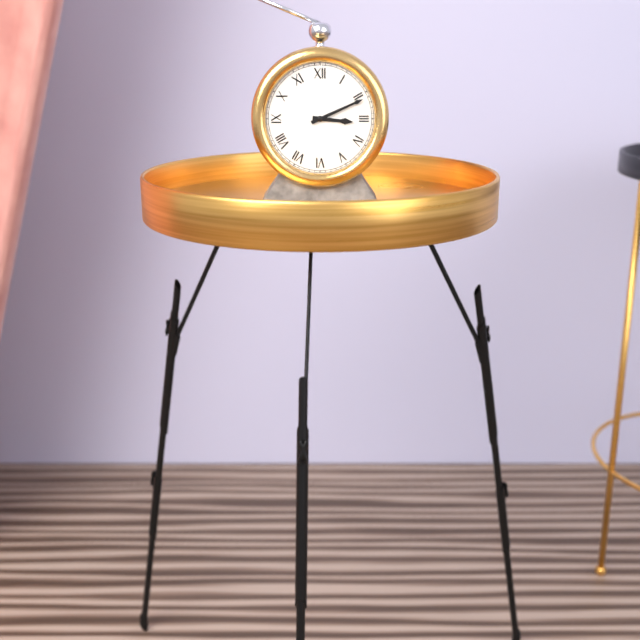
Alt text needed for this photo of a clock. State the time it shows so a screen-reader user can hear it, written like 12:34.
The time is 3:11
